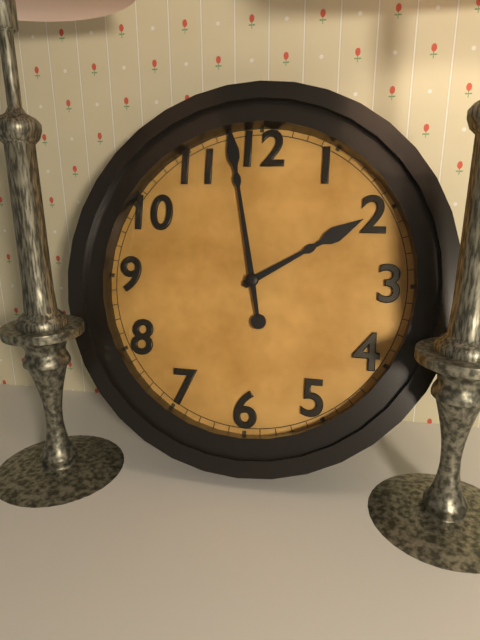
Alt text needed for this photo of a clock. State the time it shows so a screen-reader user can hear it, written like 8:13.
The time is 1:58
